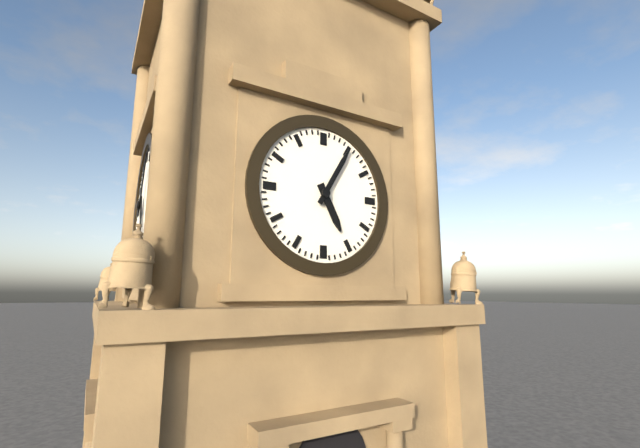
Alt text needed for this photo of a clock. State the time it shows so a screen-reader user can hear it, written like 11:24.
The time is 5:05
